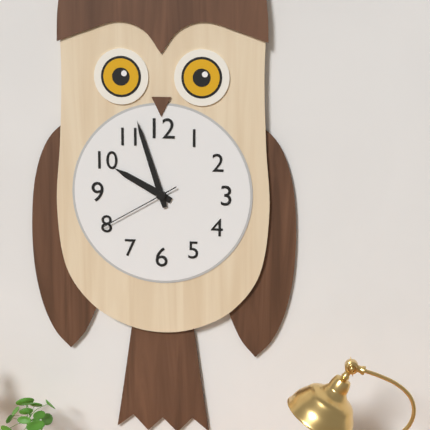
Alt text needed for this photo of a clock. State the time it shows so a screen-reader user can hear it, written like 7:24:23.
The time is 9:57:40
